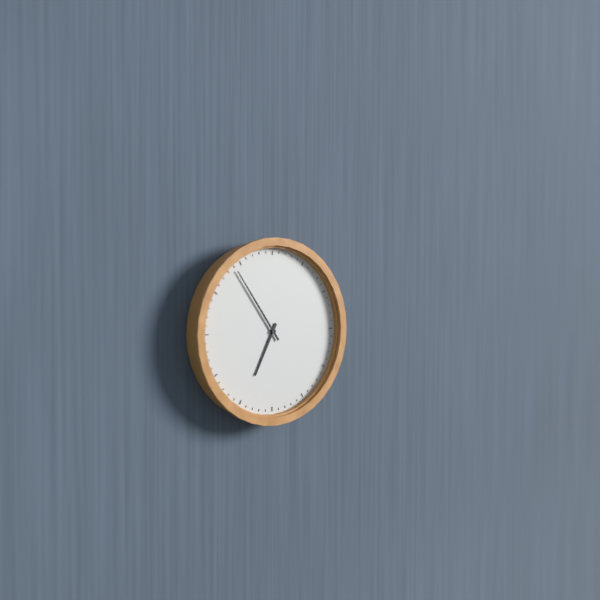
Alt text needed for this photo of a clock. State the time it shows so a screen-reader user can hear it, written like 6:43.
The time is 6:54
